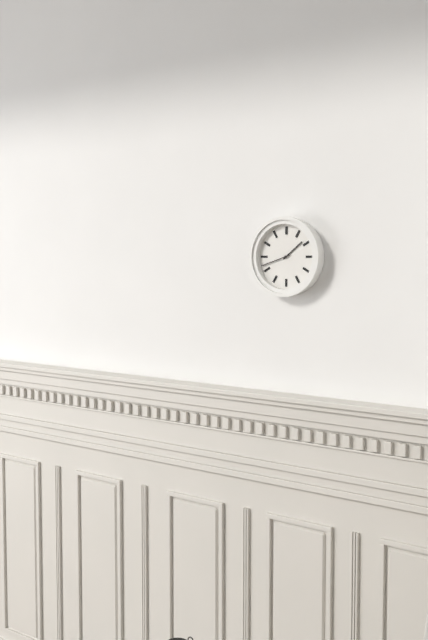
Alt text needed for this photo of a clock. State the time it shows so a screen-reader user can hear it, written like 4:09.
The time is 1:42
